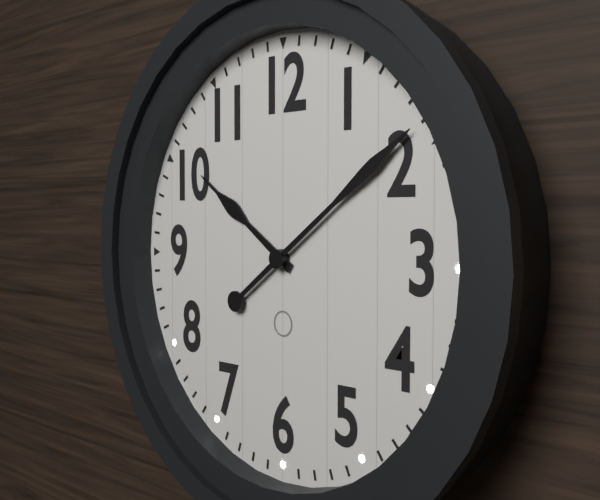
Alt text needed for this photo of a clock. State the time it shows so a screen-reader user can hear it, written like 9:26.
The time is 10:09
